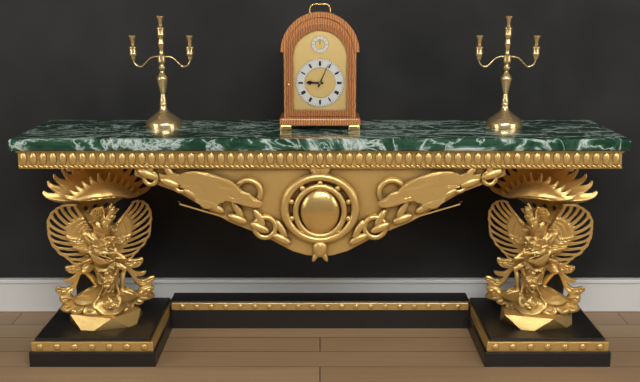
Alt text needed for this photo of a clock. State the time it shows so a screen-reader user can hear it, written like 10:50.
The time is 9:04
